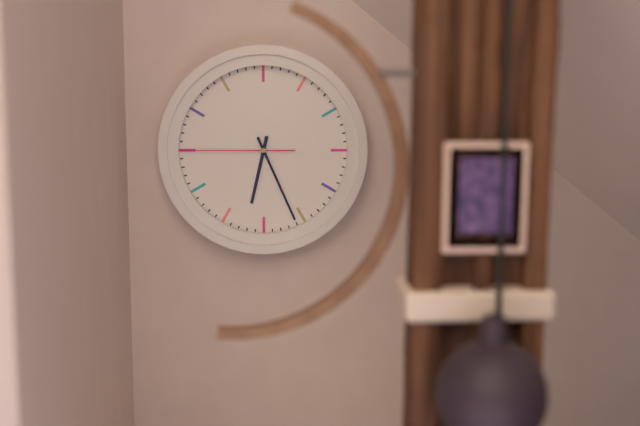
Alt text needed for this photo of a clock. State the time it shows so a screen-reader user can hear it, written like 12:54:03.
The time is 6:26:45
